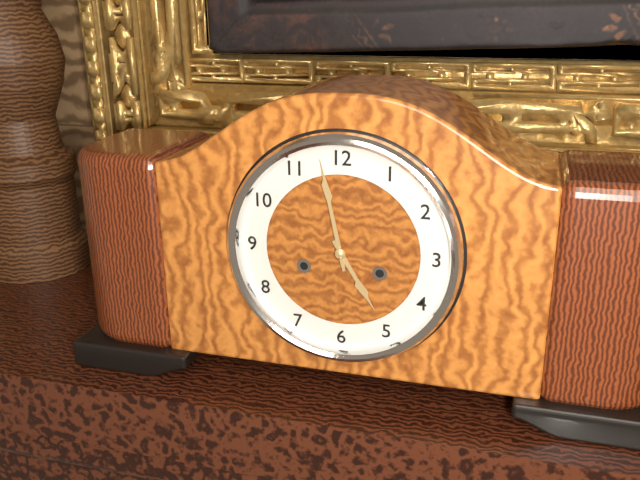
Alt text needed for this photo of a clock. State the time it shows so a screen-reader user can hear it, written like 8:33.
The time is 4:58
